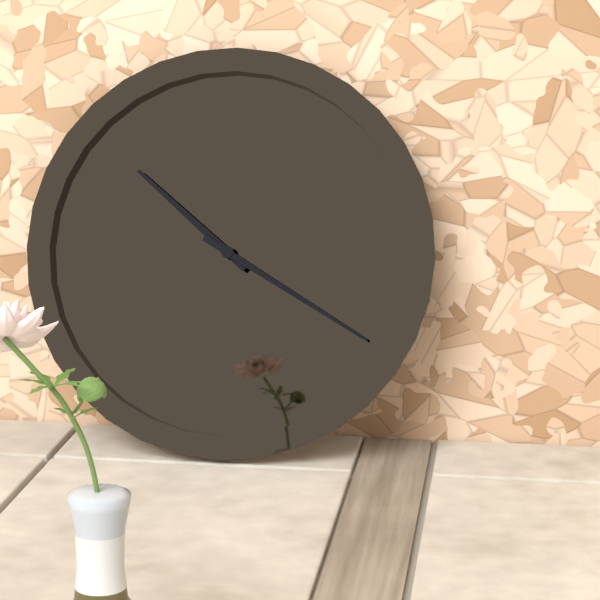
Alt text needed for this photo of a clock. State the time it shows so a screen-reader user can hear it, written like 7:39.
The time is 10:20
